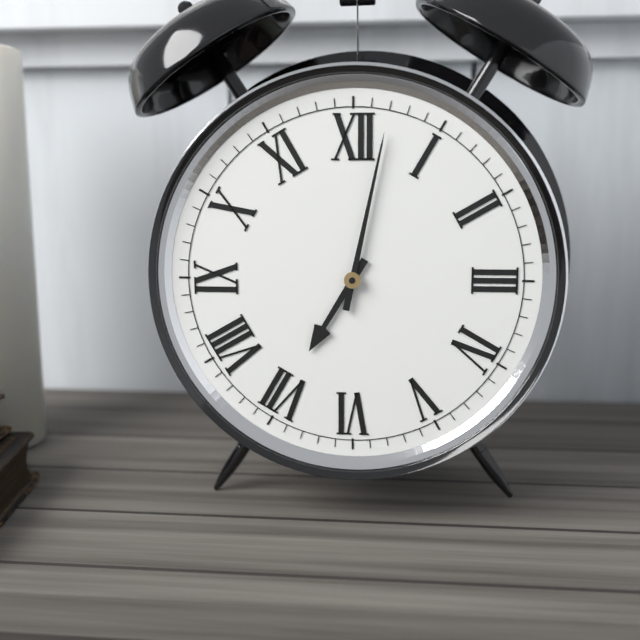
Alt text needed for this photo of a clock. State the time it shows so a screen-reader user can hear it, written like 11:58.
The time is 7:02
